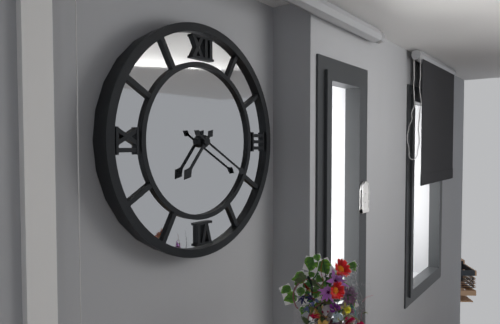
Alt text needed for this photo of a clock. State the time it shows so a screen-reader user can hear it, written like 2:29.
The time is 7:20
